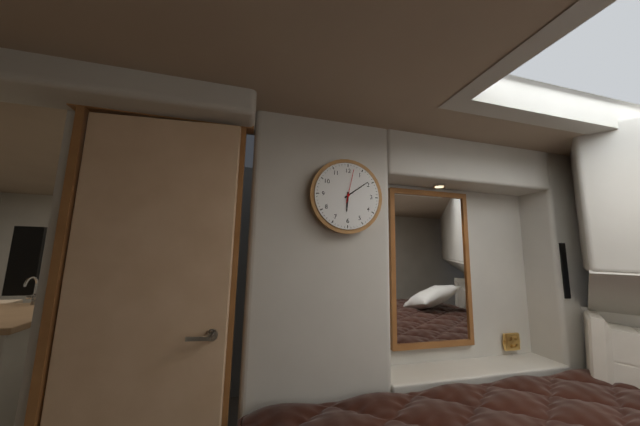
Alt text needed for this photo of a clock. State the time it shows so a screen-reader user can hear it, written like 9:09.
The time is 6:09
